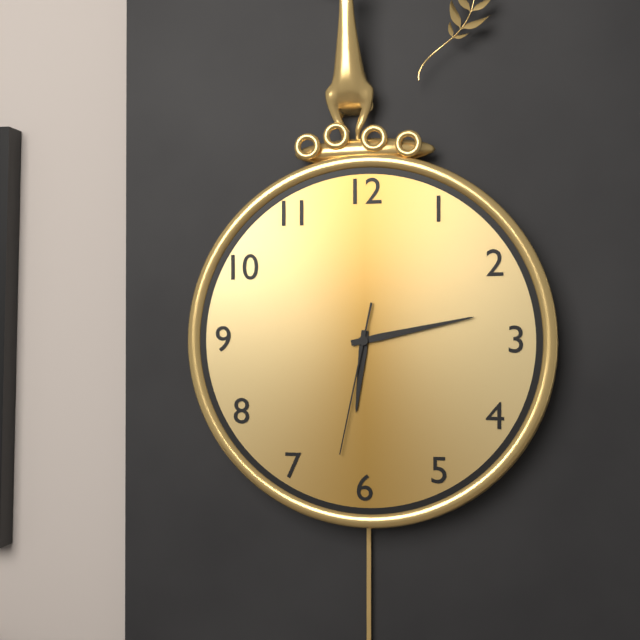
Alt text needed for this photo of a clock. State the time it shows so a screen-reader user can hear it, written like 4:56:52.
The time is 6:13:32
